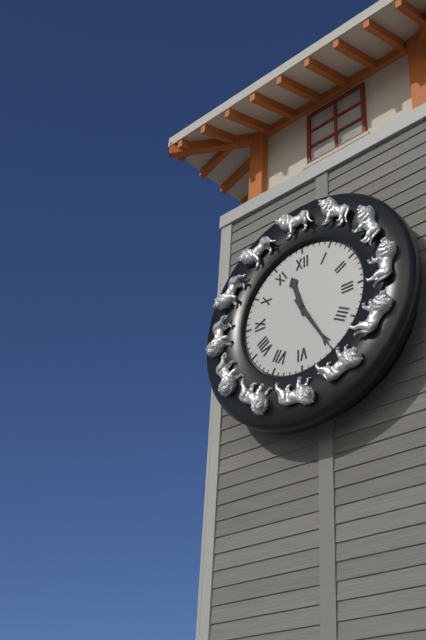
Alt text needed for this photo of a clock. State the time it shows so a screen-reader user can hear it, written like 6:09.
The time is 11:25
